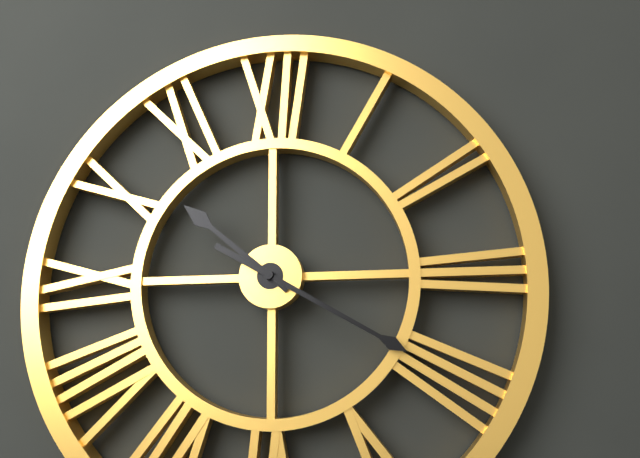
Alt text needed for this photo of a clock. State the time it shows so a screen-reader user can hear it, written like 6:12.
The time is 10:20
